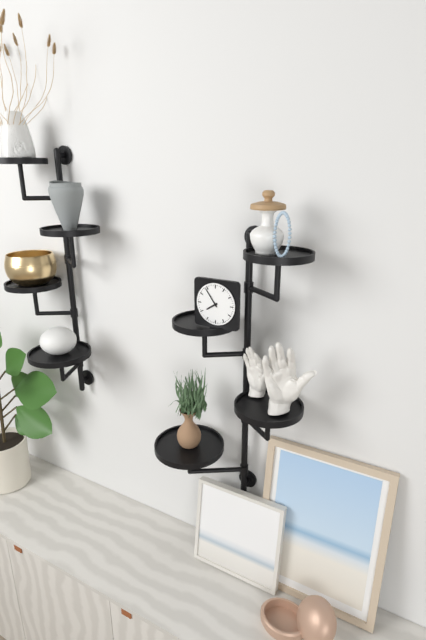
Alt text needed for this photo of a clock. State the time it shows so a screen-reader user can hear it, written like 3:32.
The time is 7:54
